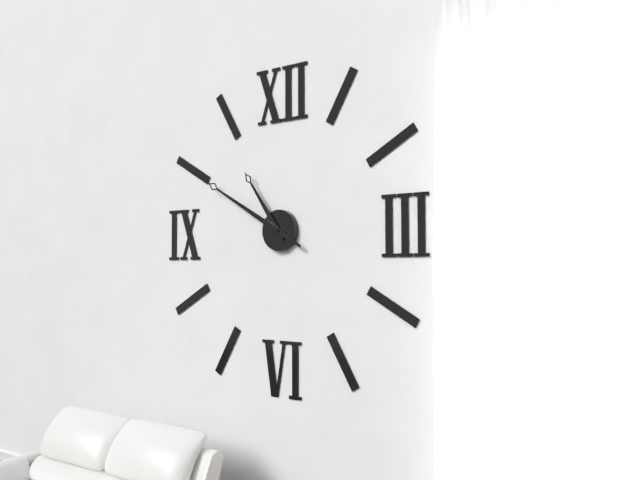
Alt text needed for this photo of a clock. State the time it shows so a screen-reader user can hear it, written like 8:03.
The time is 10:50
